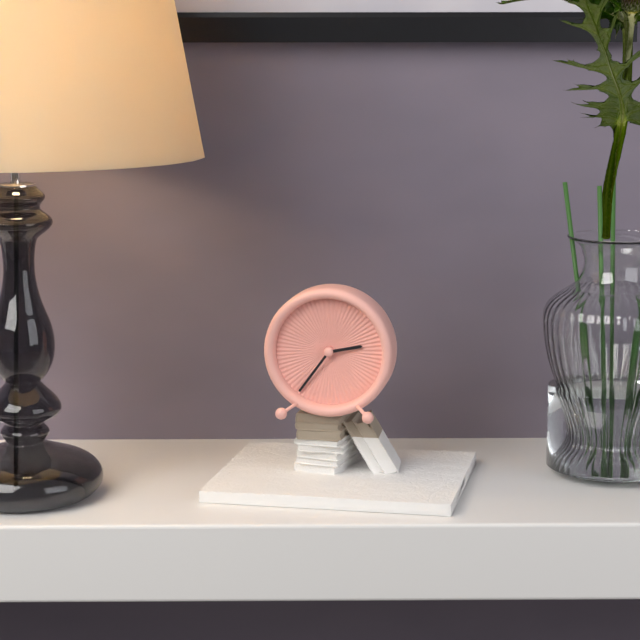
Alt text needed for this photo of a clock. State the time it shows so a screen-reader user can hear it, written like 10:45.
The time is 2:36
